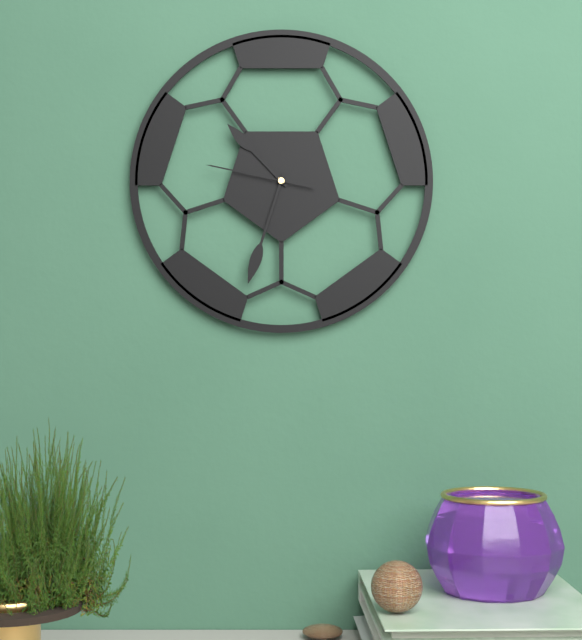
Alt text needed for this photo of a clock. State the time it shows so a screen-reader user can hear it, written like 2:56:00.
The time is 10:33:47
